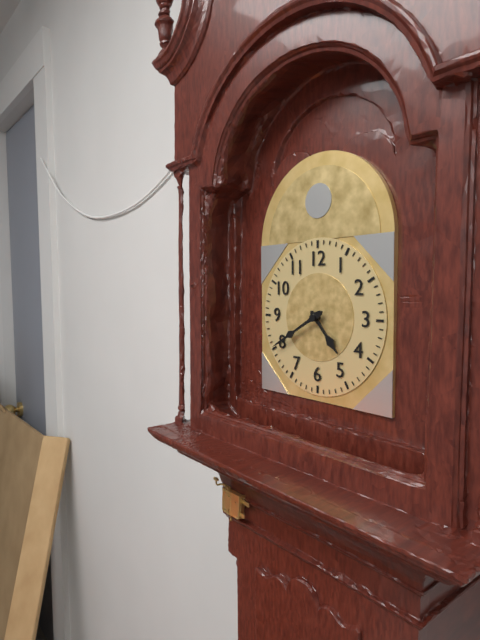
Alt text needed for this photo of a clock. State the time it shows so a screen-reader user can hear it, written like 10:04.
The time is 4:40
